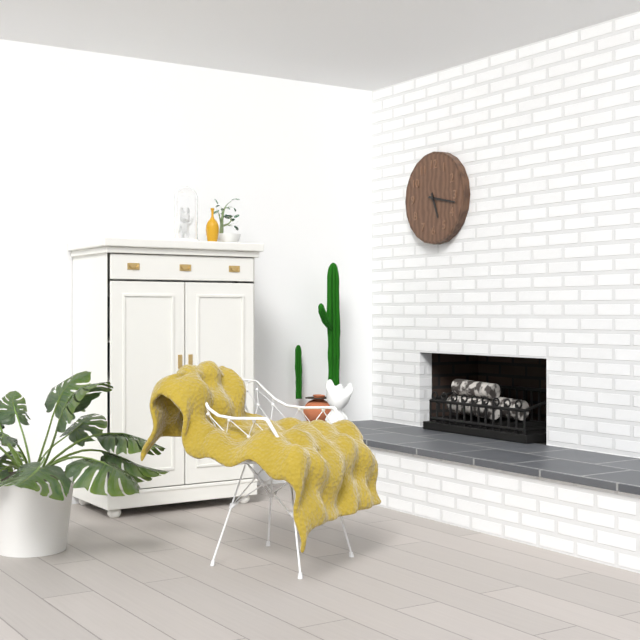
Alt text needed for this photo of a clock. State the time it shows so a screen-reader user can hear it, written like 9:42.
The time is 5:17
